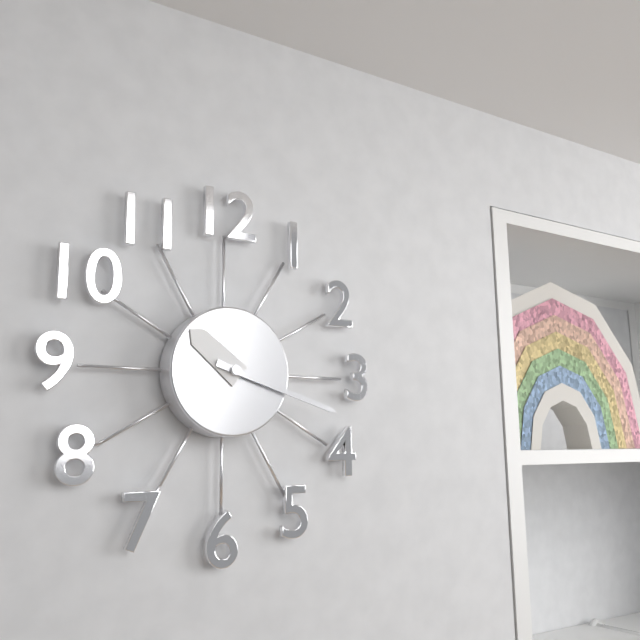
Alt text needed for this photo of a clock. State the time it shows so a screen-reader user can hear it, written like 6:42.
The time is 10:18
